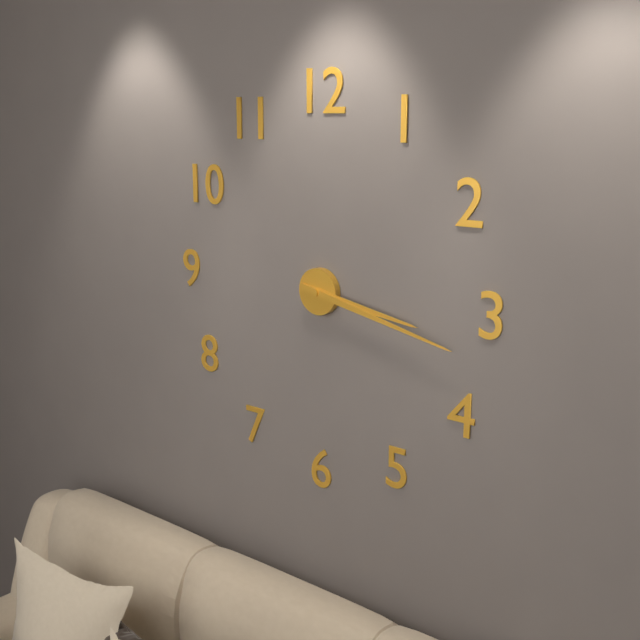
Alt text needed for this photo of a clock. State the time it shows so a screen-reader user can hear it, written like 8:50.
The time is 3:17
